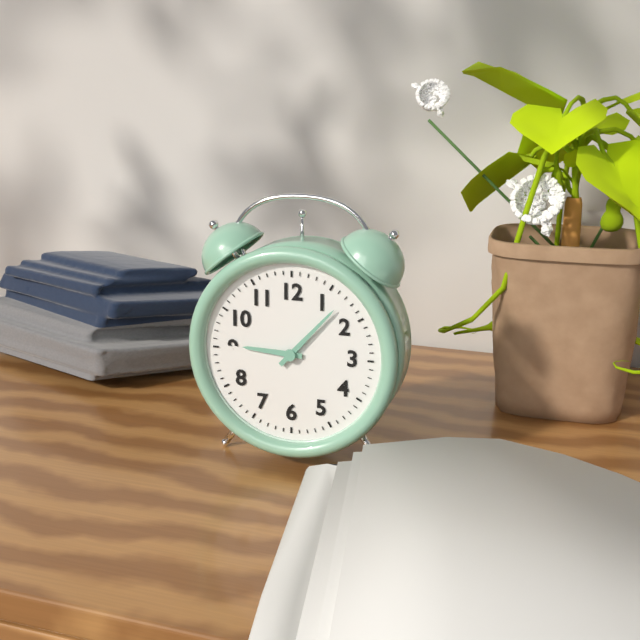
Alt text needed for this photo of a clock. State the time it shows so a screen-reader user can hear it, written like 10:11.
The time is 9:07
